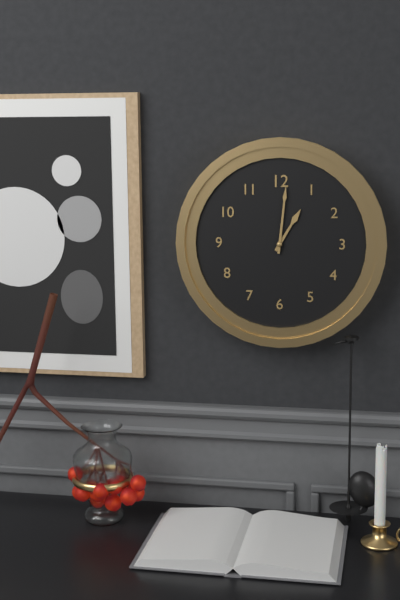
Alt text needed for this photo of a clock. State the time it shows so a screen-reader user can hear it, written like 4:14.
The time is 1:01
